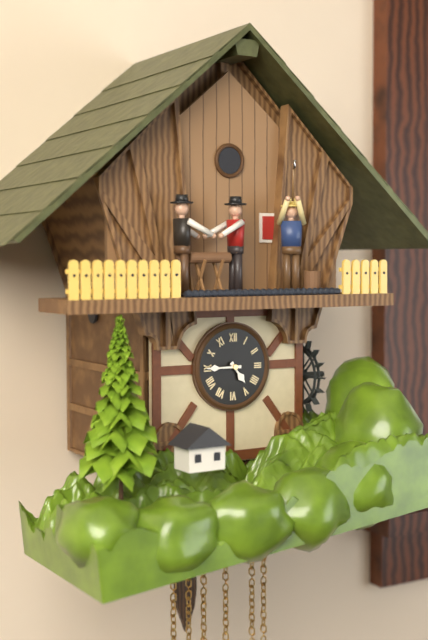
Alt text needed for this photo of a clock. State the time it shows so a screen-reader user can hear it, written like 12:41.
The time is 4:45
